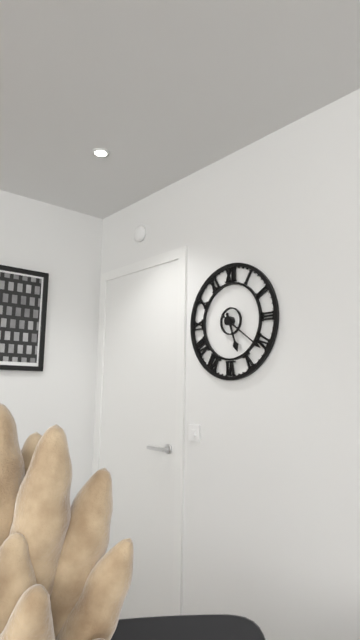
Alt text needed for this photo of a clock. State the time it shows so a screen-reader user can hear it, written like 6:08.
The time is 5:21
